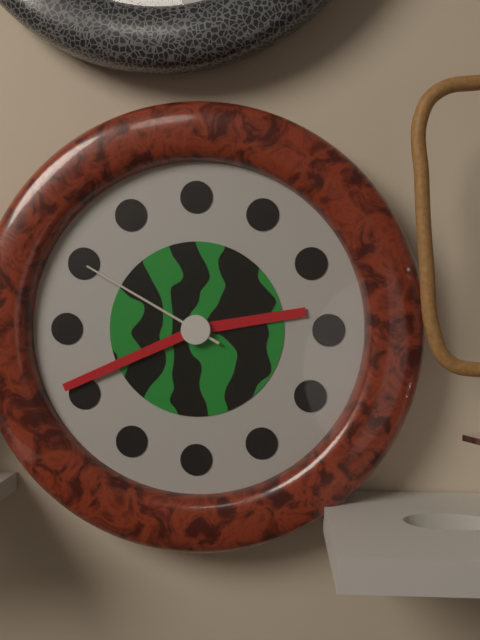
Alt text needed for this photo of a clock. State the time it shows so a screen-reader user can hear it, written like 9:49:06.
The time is 2:41:50
